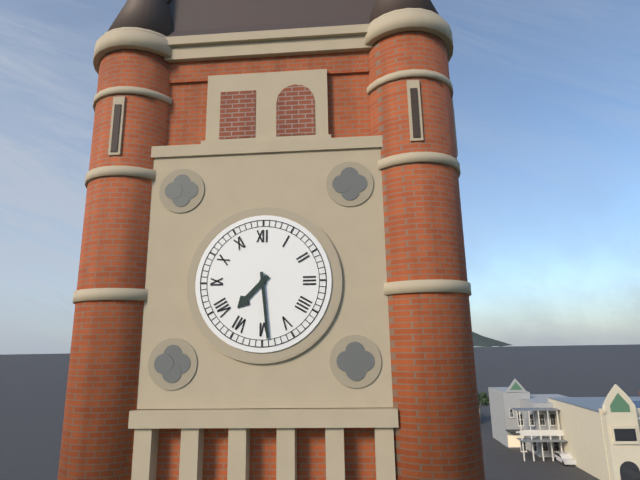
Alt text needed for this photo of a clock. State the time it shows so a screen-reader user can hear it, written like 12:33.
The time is 7:29
